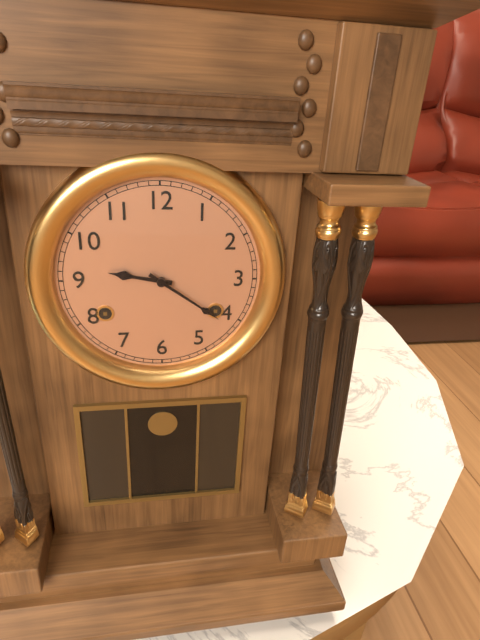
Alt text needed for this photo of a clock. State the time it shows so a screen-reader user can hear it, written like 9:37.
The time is 9:21
